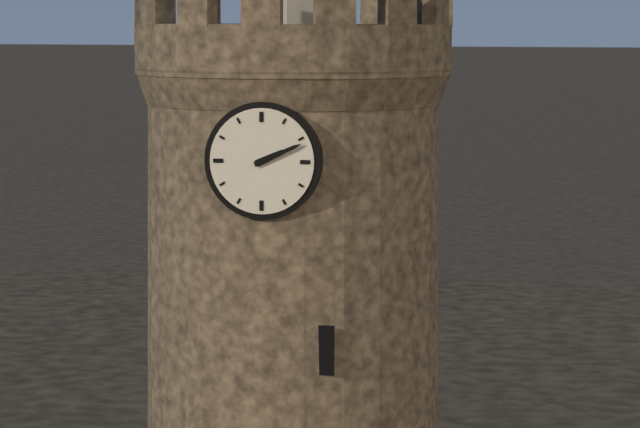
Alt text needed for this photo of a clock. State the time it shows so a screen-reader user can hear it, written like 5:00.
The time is 2:11
